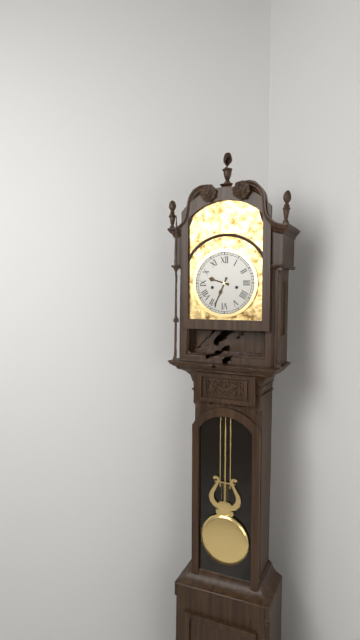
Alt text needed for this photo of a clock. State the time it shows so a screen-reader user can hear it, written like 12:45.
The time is 9:34
